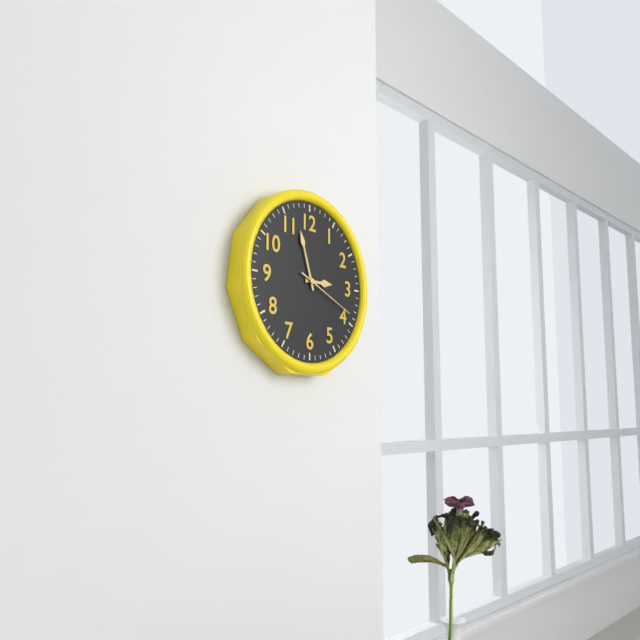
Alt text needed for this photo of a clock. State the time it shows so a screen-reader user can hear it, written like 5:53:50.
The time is 2:57:19
